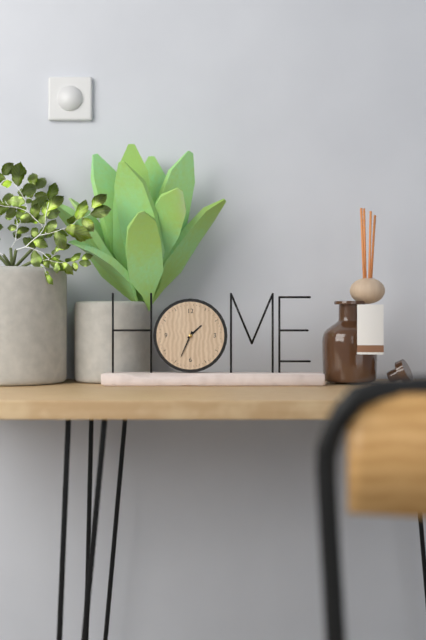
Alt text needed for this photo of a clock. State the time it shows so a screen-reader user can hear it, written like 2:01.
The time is 1:34
